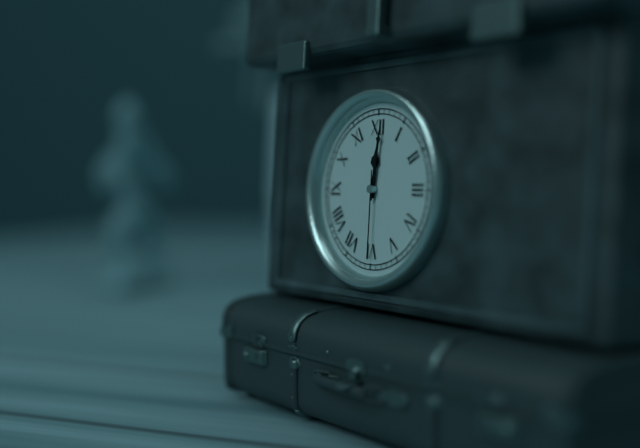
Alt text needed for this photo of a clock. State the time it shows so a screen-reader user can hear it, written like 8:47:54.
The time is 12:01:30
